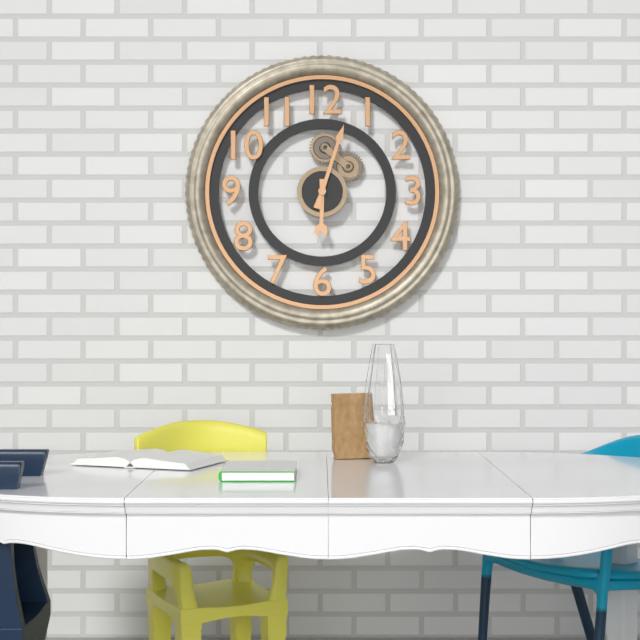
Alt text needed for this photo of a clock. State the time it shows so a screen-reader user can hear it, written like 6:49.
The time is 6:03
